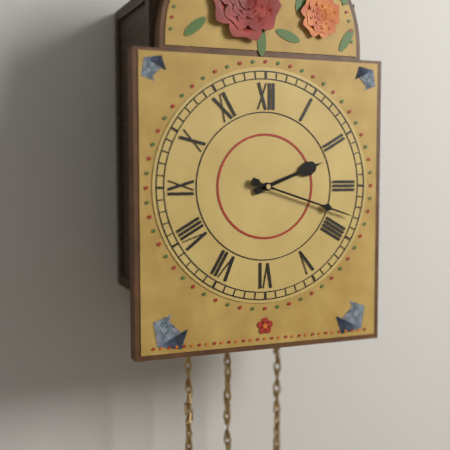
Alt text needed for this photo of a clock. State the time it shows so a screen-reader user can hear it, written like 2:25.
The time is 2:18
